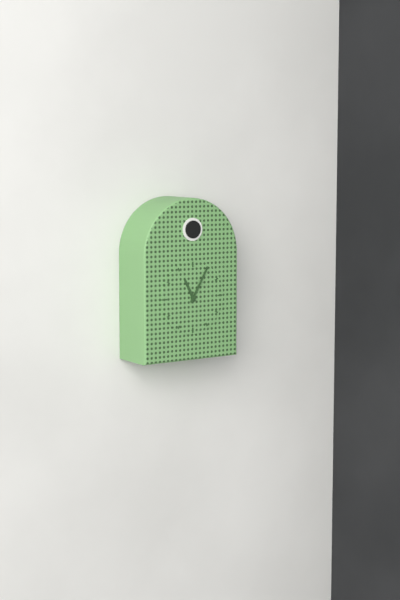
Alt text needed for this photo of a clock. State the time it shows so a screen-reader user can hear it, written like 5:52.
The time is 11:05
